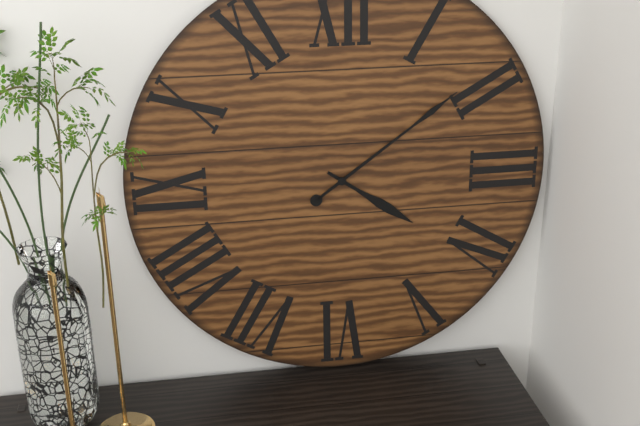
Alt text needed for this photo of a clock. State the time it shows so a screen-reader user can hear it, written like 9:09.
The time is 4:09
